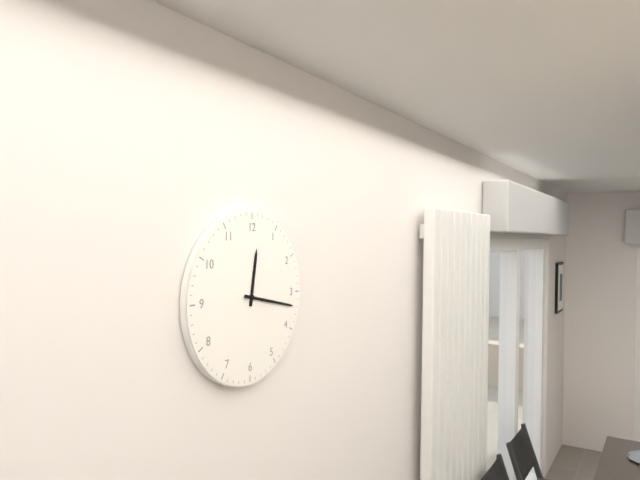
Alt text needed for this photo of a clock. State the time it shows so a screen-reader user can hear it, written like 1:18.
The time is 12:17
